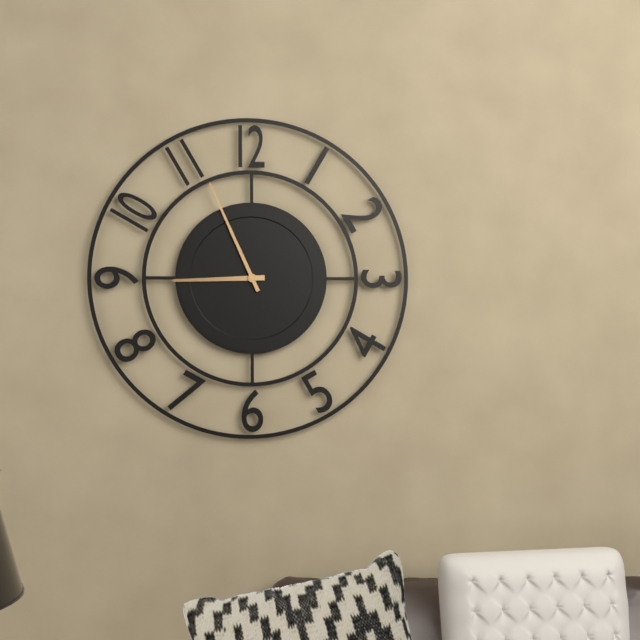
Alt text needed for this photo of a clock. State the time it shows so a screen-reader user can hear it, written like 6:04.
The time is 8:56
